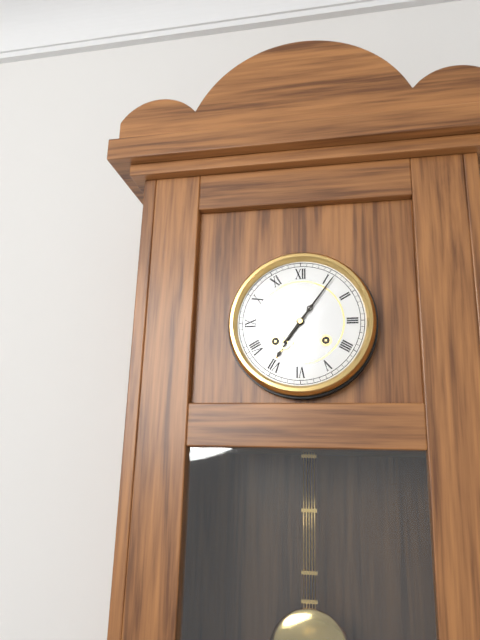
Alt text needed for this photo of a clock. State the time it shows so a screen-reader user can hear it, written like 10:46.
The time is 7:06
